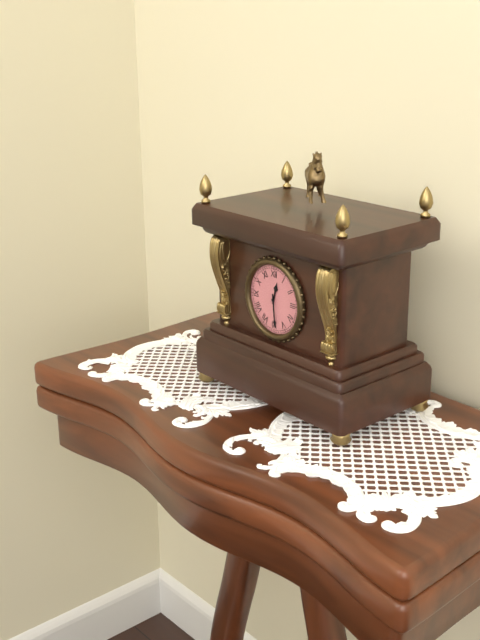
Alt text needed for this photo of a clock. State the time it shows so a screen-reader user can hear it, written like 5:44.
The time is 12:29
